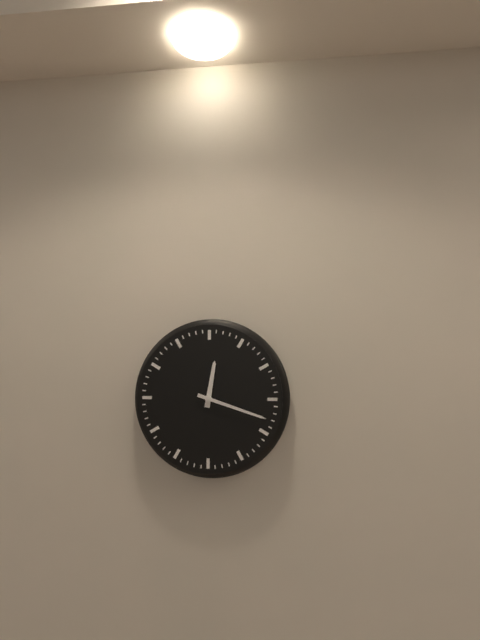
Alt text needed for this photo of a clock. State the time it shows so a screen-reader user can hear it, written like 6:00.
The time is 12:18
